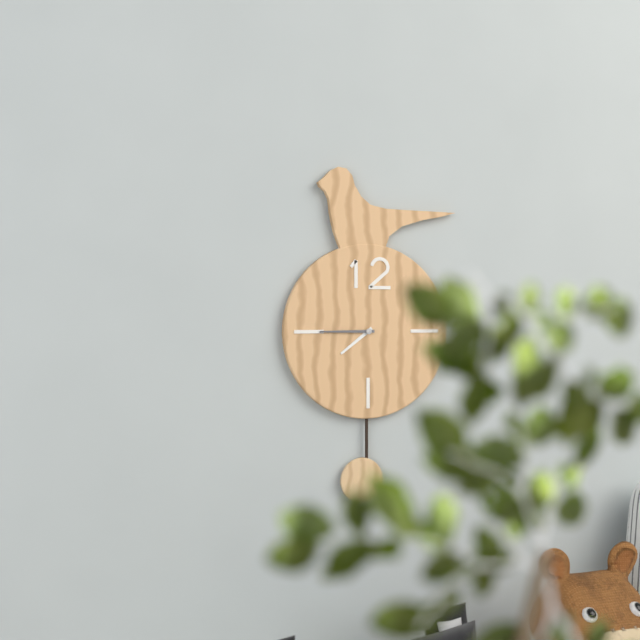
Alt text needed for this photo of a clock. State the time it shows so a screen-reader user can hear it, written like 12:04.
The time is 7:45
